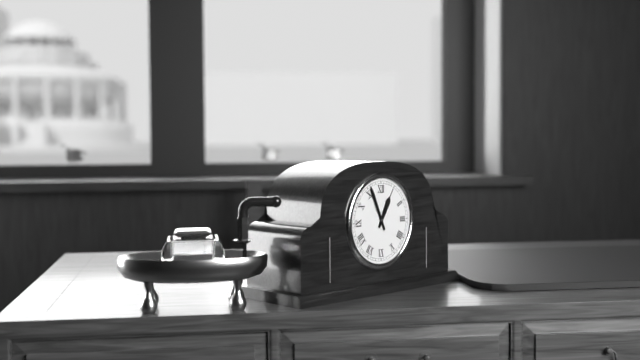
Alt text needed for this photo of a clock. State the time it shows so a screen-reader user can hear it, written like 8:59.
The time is 12:56
